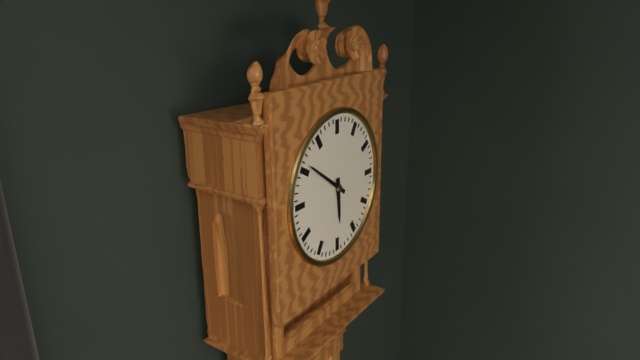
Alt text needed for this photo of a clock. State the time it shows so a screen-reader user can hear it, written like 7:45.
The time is 5:51
